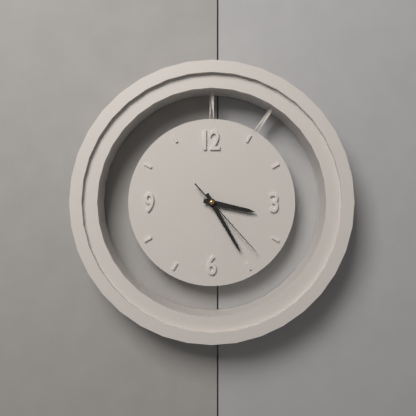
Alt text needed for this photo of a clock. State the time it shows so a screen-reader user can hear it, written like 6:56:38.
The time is 3:25:23
